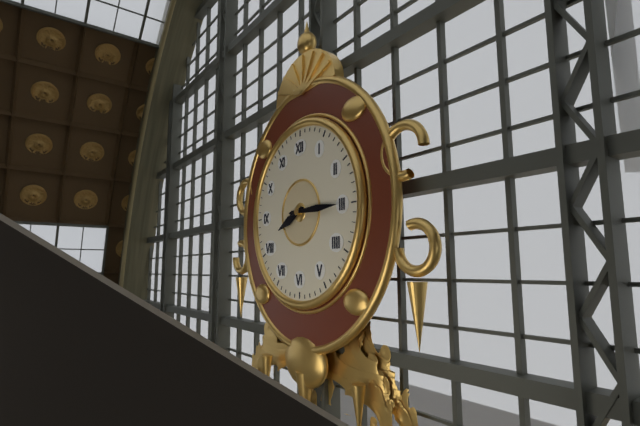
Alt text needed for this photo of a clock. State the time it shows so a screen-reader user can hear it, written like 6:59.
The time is 8:15
